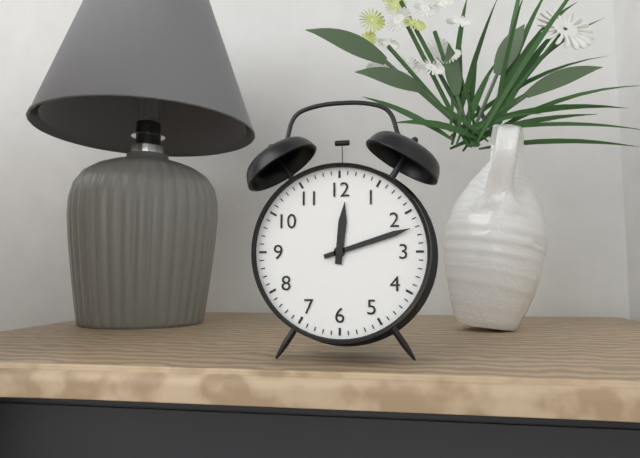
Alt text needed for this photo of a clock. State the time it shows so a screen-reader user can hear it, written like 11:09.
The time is 12:12
